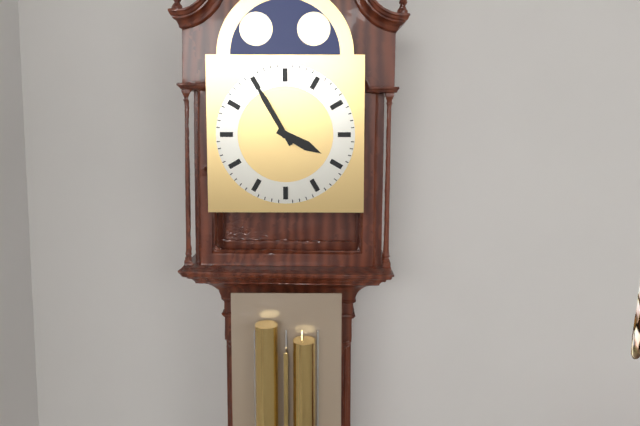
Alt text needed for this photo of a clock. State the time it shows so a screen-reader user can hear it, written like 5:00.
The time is 3:55
